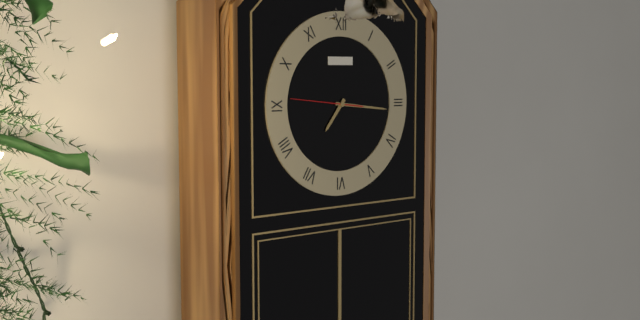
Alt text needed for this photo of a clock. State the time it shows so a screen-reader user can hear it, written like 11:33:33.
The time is 7:16:46
